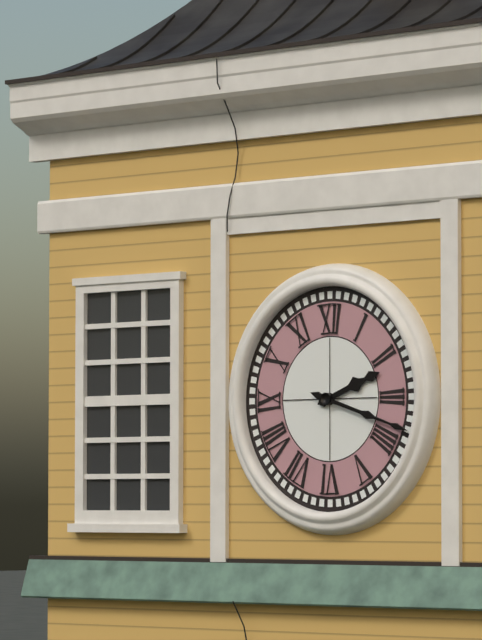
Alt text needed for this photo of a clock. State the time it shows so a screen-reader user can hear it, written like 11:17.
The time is 2:18
